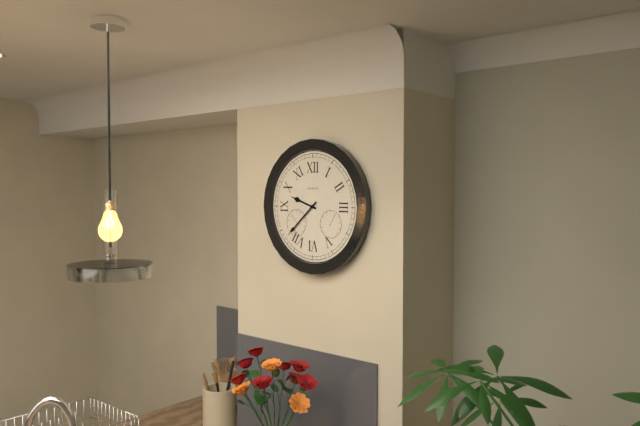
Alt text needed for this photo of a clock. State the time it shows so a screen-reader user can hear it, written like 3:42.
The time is 9:38
